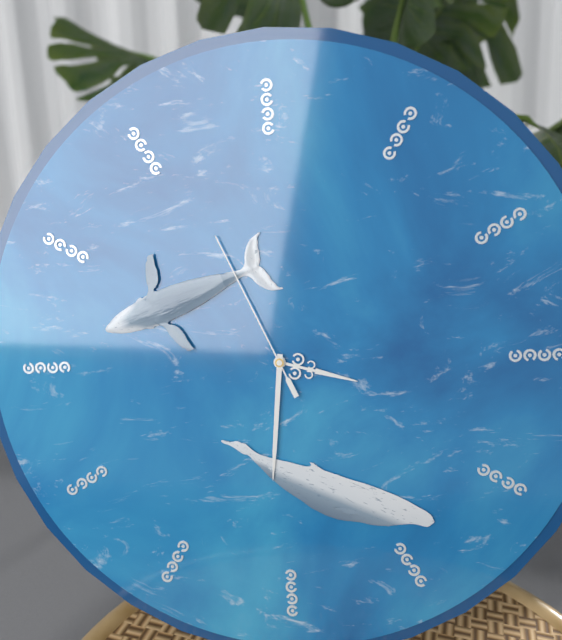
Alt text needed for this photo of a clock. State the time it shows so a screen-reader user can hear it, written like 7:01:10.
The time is 3:31:56
